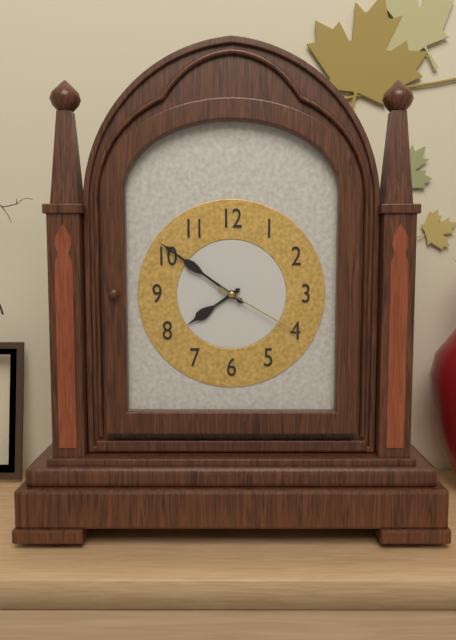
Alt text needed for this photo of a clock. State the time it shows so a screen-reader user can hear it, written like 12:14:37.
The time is 7:51:20
